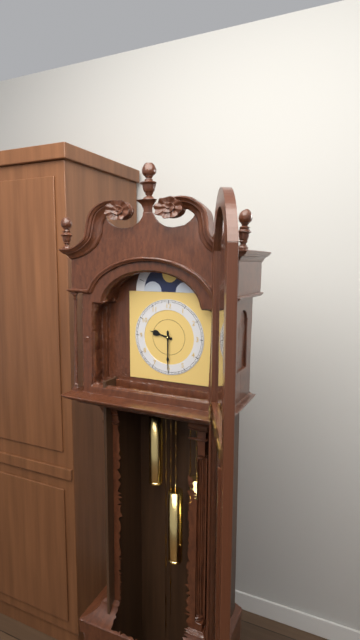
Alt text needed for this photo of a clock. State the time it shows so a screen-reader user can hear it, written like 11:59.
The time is 9:30
